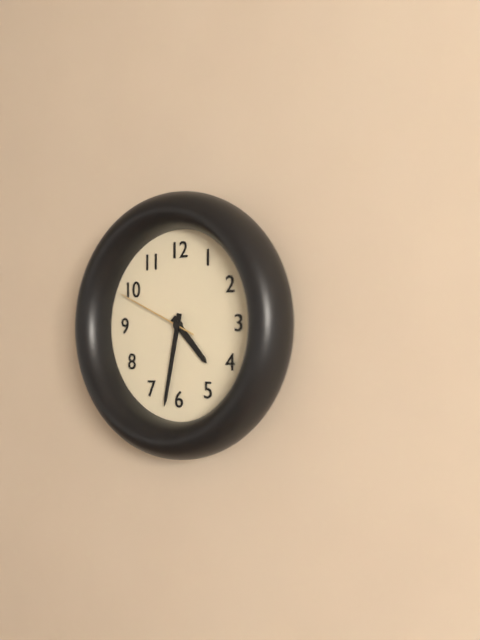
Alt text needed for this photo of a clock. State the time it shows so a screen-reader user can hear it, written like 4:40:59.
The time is 4:32:49
